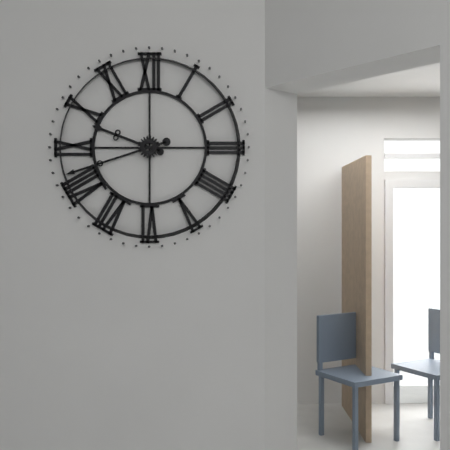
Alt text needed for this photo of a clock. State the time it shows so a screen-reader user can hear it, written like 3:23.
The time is 9:42
